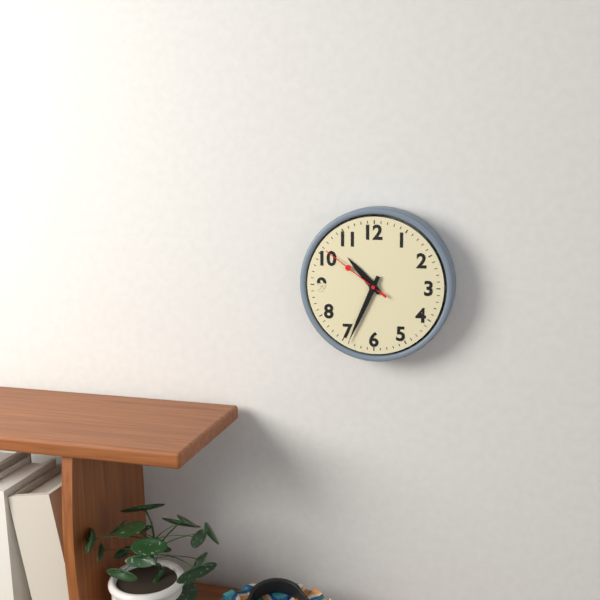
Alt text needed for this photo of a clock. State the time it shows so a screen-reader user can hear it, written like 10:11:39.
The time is 10:34:51
